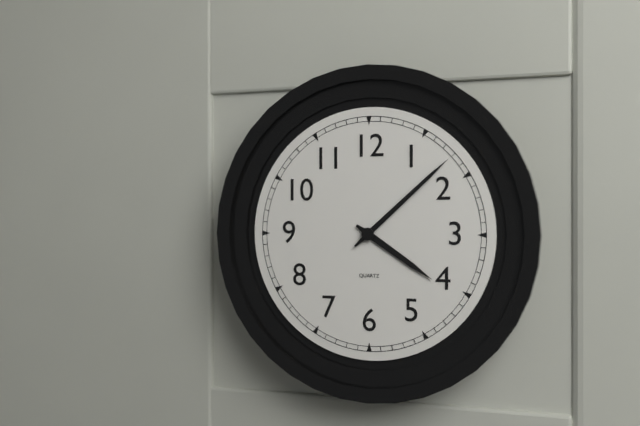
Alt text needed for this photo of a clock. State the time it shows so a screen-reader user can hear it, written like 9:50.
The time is 4:08
